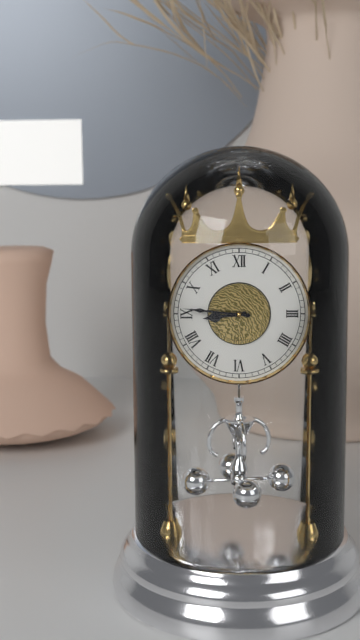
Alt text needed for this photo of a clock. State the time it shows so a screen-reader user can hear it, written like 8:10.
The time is 8:46
